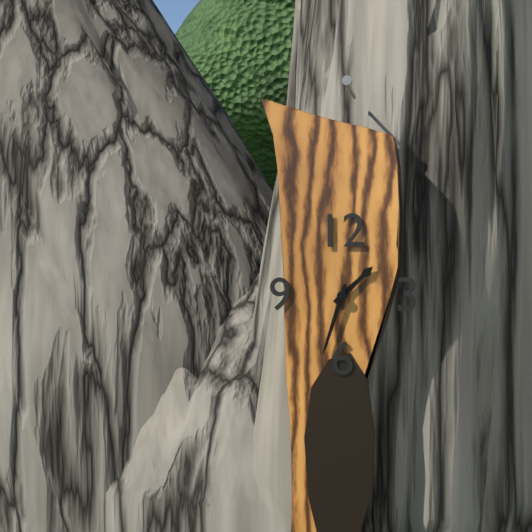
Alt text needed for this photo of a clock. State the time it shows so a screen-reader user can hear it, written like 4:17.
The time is 1:33
